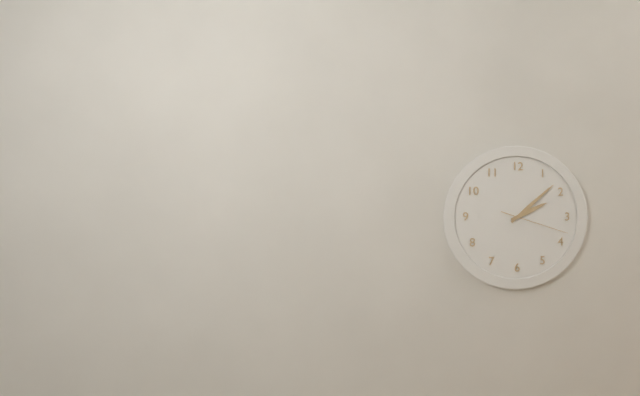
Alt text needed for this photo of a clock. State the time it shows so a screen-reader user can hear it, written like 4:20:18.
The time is 2:08:18
